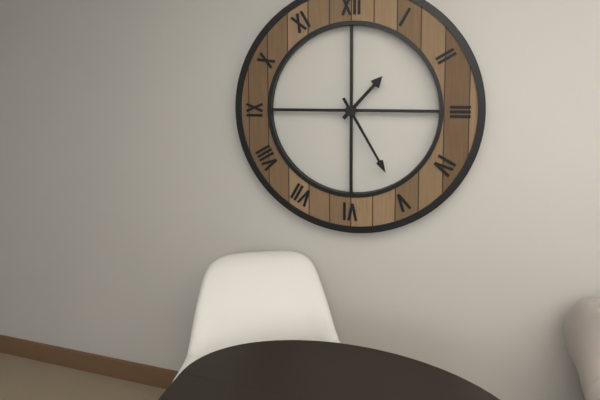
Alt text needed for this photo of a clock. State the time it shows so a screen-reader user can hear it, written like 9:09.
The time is 1:25
